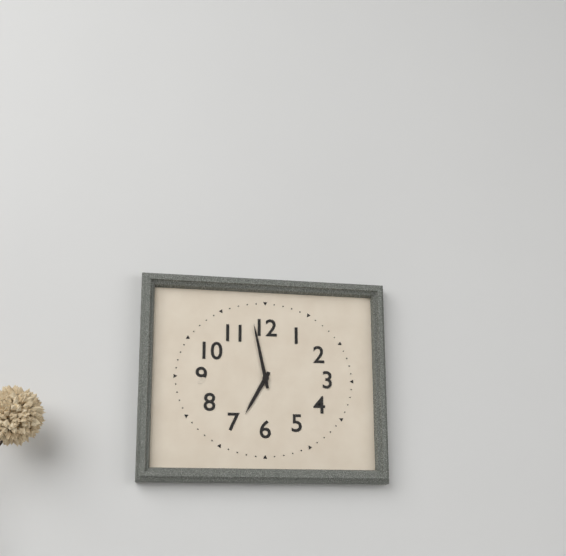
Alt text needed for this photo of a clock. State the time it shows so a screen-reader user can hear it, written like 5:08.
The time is 6:58
